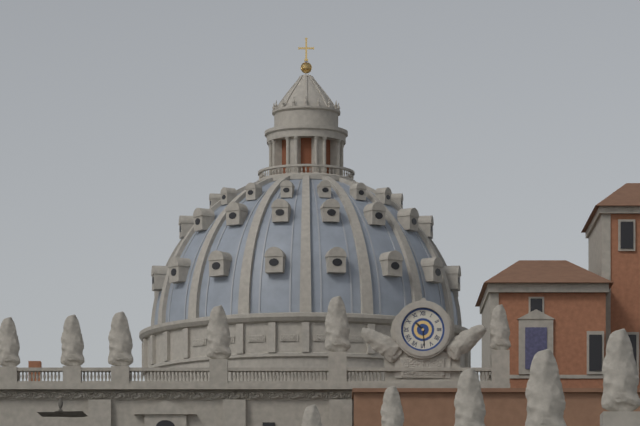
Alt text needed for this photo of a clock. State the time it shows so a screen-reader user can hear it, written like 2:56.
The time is 10:29
